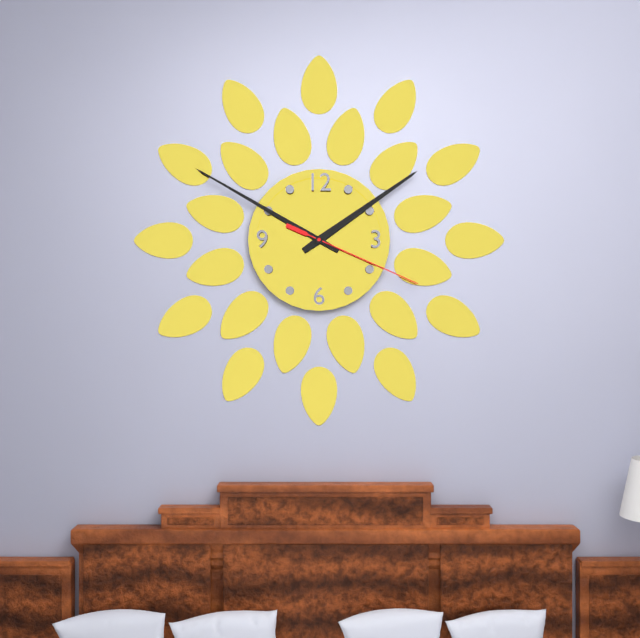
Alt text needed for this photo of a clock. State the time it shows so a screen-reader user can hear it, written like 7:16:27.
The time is 1:50:19
